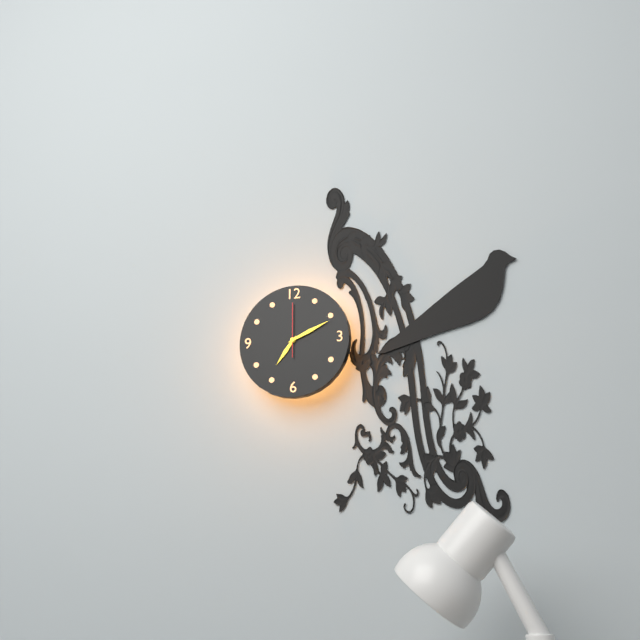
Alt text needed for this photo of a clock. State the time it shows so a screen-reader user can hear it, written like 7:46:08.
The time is 7:11:00
